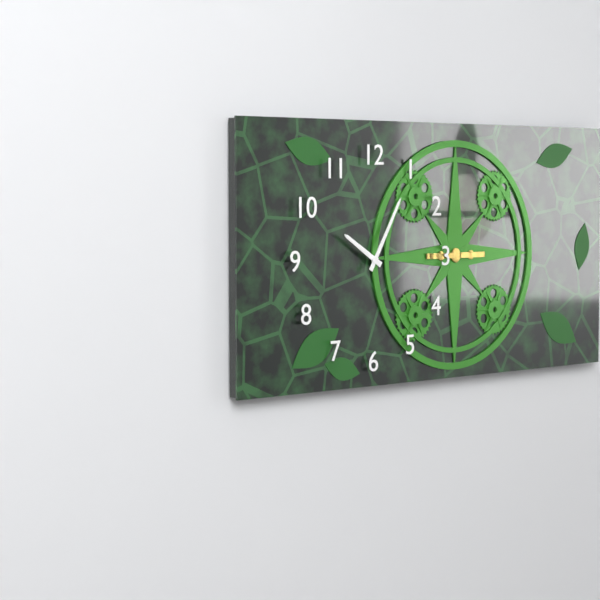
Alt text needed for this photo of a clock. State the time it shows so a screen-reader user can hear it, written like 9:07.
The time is 10:05
